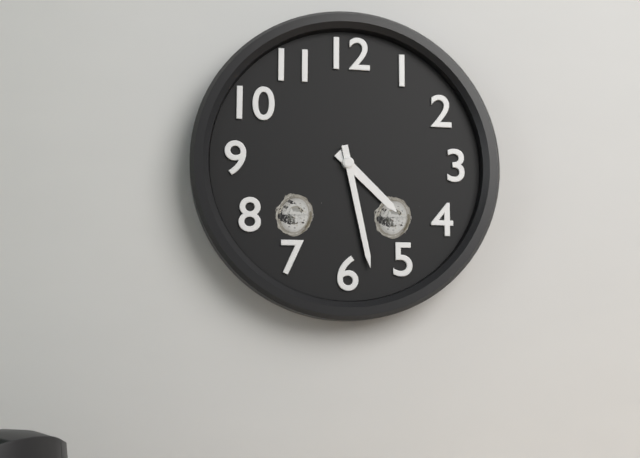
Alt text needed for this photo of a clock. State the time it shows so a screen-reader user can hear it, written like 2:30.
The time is 4:28
